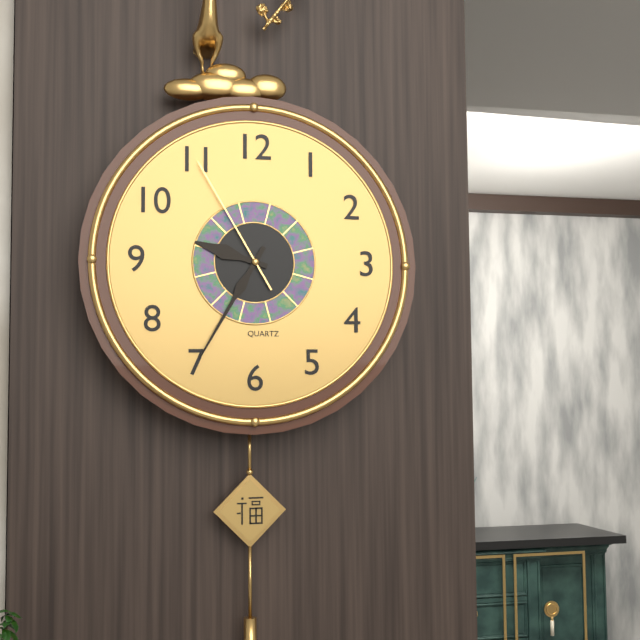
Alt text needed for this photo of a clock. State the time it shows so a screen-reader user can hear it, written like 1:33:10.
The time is 9:35:55
